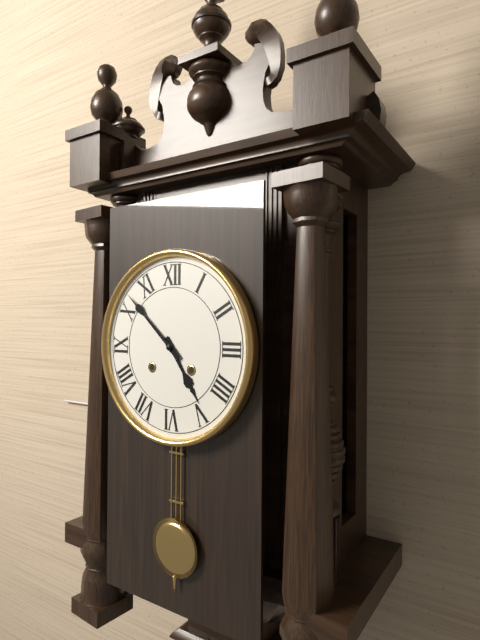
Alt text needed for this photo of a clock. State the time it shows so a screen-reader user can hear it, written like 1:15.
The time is 4:52
